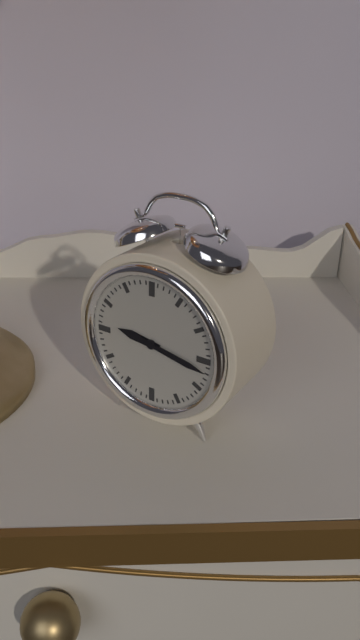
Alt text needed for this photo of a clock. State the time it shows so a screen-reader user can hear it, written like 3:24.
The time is 9:17
